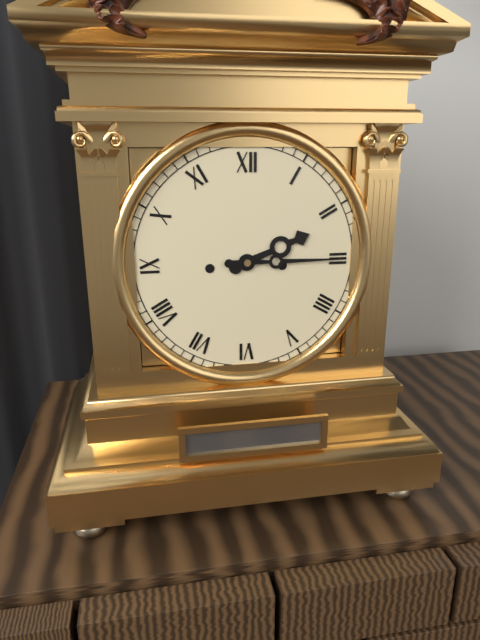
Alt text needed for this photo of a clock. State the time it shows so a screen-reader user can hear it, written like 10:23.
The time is 2:15
